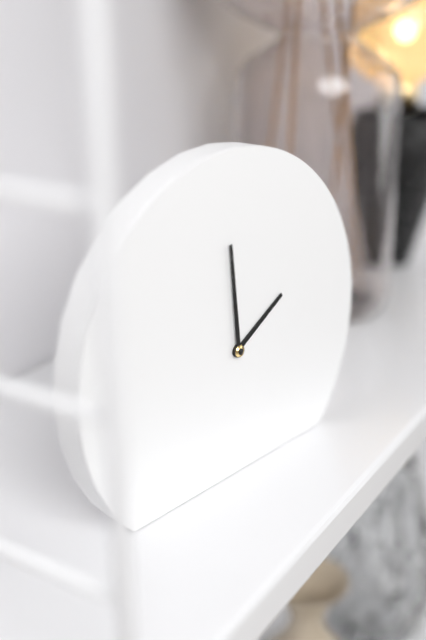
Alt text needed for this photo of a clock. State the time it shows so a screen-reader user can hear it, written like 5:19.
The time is 1:59
